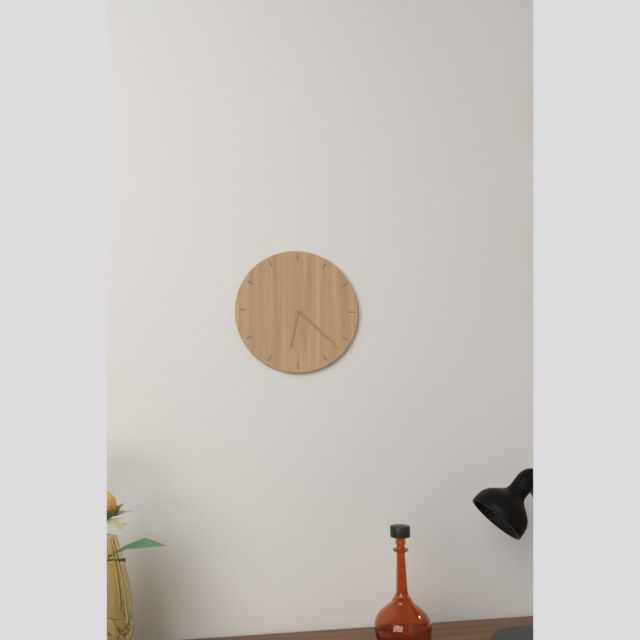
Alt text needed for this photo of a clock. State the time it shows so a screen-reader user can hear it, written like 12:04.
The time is 6:22
